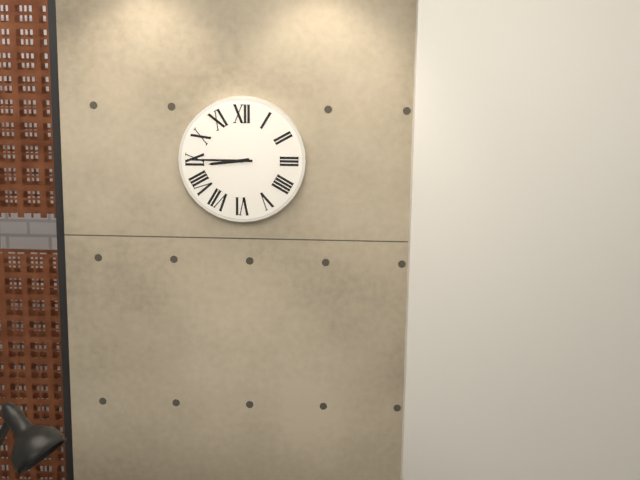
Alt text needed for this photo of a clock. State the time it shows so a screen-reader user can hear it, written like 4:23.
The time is 8:45
